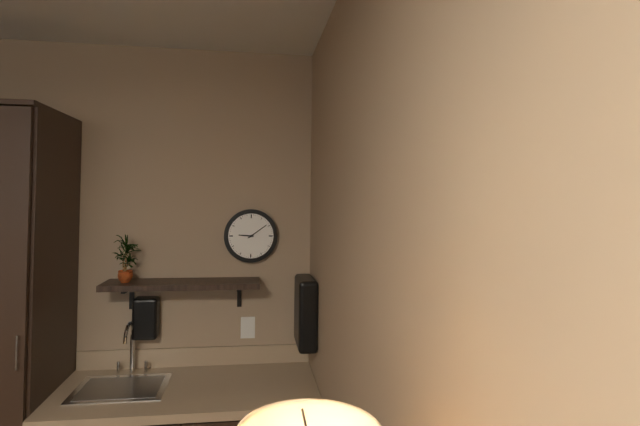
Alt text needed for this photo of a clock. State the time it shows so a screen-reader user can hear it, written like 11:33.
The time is 9:09
